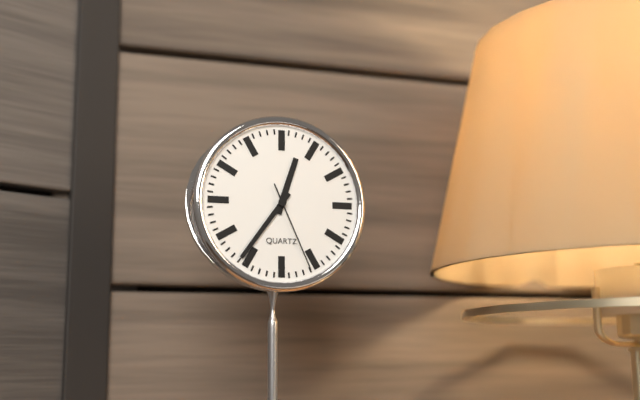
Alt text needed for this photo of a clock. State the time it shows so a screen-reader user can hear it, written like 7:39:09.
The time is 12:36:26
